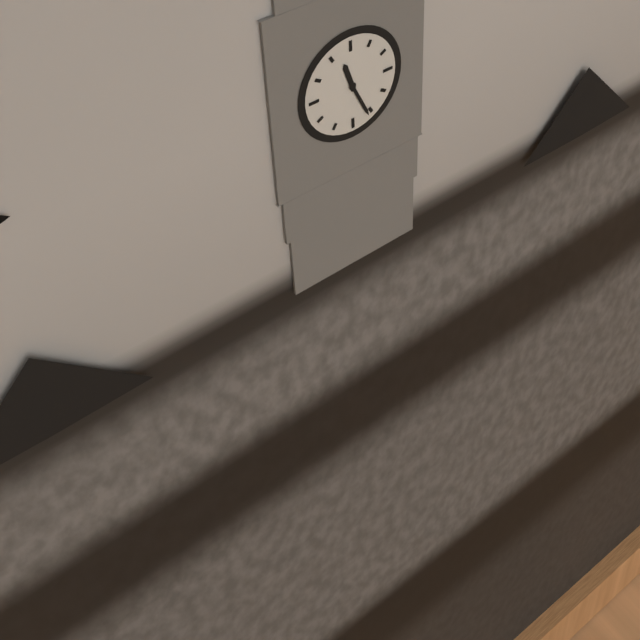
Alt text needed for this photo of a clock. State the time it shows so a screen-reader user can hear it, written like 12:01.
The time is 11:26
